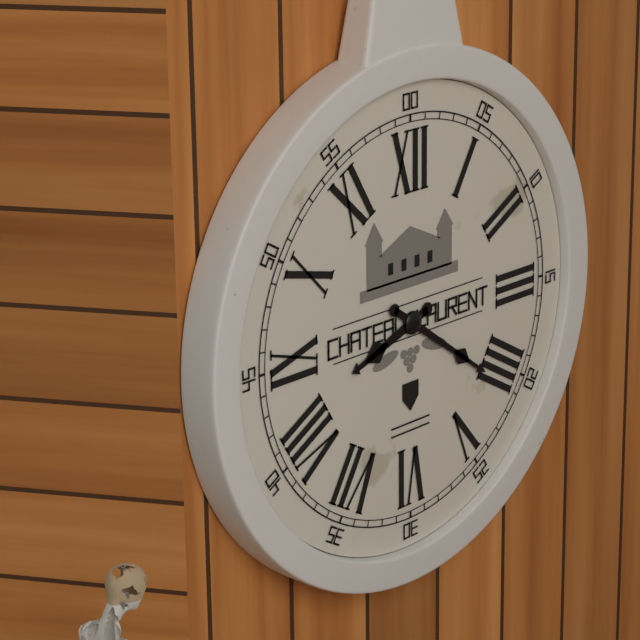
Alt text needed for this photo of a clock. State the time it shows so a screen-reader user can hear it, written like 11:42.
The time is 8:21
